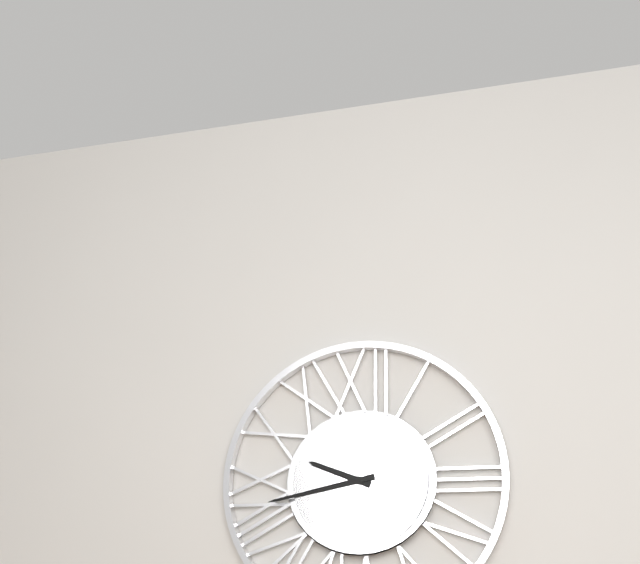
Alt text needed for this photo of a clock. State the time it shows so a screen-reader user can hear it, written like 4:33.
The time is 9:43
